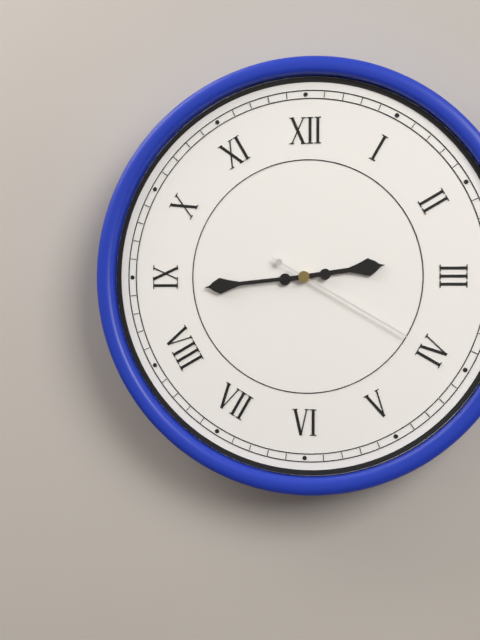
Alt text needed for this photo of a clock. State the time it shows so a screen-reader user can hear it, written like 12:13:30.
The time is 2:44:20
